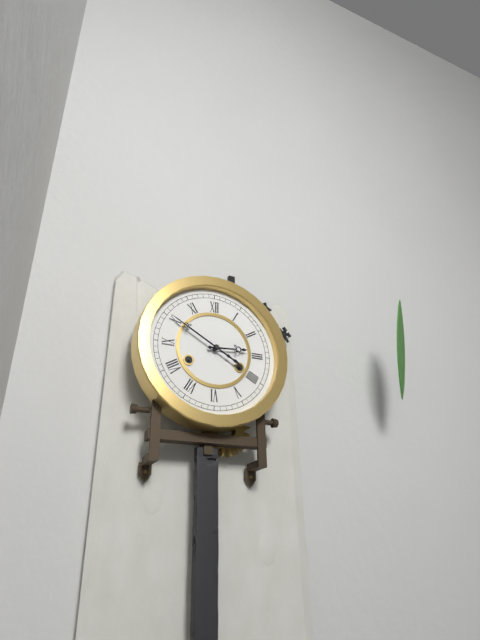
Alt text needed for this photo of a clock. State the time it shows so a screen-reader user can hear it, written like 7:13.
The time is 2:50
